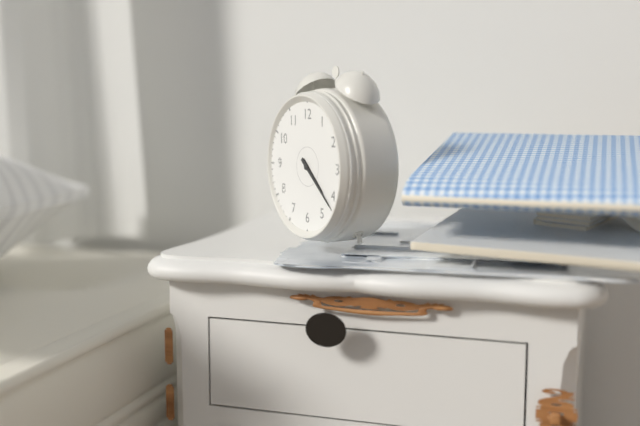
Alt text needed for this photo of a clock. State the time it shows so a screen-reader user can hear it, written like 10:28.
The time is 4:22
